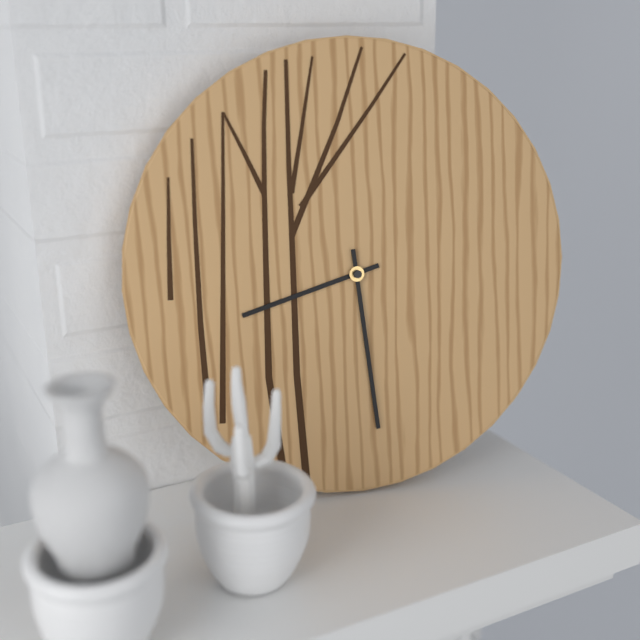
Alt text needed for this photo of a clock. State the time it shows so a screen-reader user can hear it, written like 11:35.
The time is 8:29
